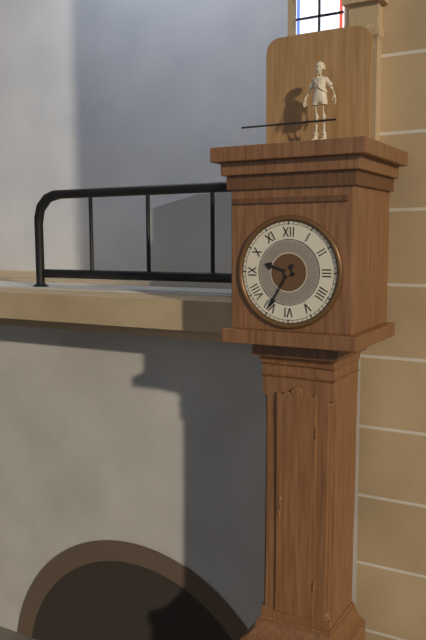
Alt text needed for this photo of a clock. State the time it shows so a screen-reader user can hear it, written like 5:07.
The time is 9:35
